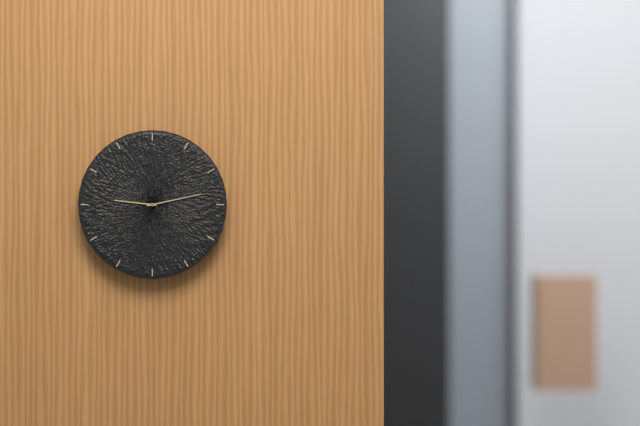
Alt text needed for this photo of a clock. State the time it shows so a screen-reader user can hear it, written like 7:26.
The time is 9:13
